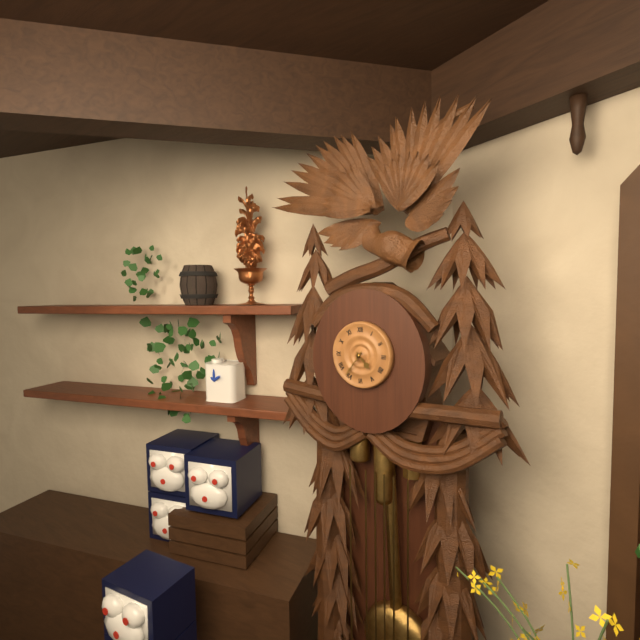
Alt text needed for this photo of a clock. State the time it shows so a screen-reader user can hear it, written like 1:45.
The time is 4:36
